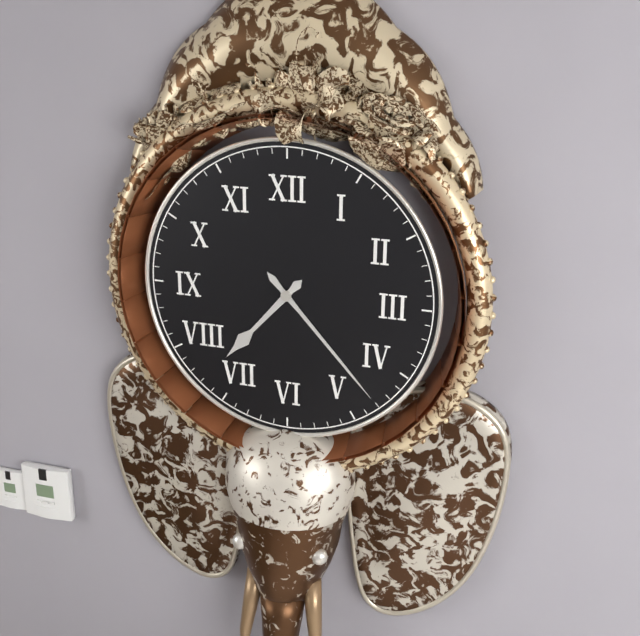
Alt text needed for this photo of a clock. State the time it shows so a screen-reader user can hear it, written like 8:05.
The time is 7:23
